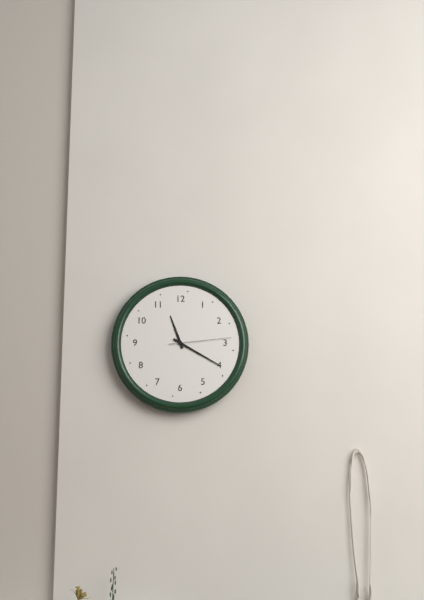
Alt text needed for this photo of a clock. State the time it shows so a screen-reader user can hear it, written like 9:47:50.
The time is 11:20:14
